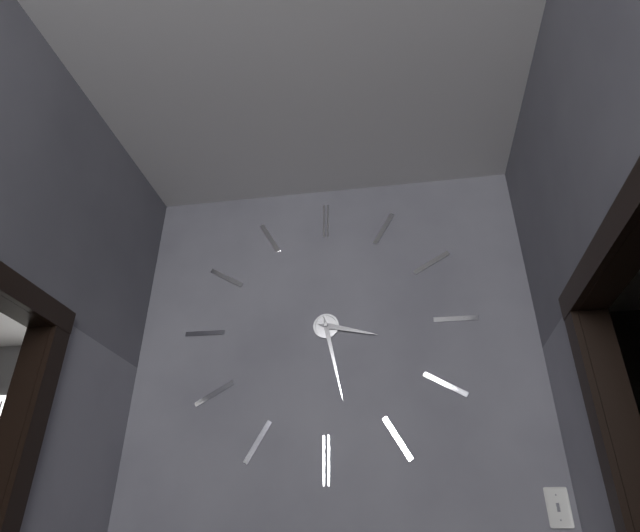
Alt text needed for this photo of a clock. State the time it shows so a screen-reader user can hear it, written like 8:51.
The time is 3:28
